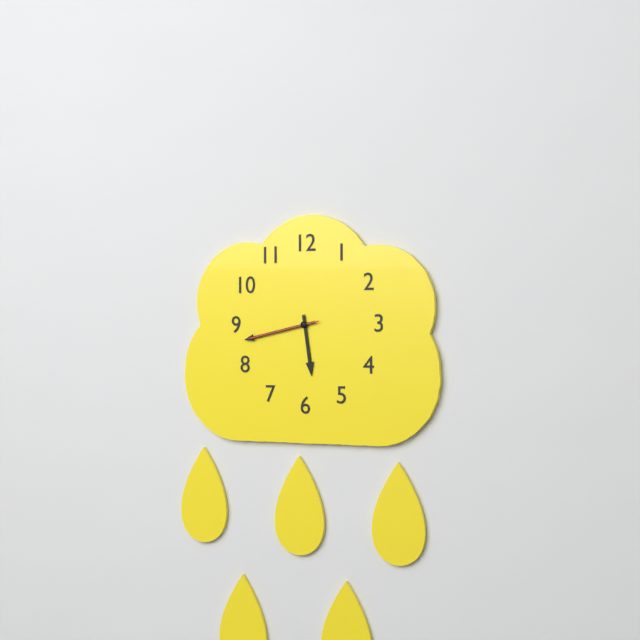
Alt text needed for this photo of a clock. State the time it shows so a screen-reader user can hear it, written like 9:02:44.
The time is 5:43:43
